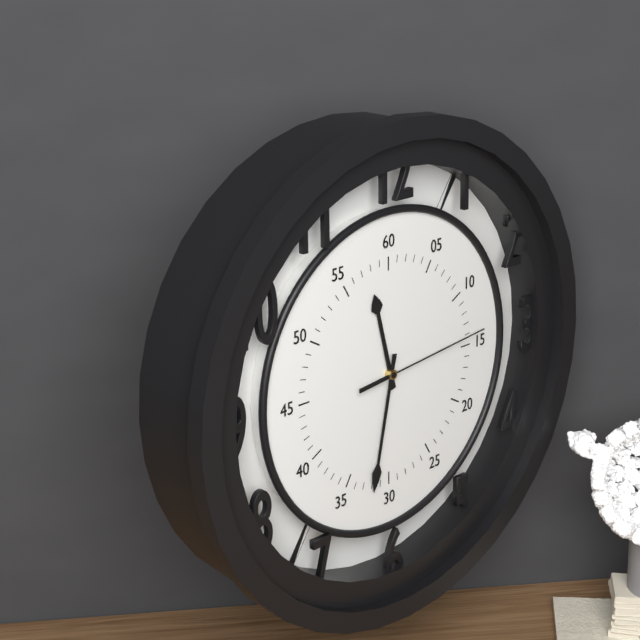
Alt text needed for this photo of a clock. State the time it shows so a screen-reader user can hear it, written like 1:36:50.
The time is 11:32:14
